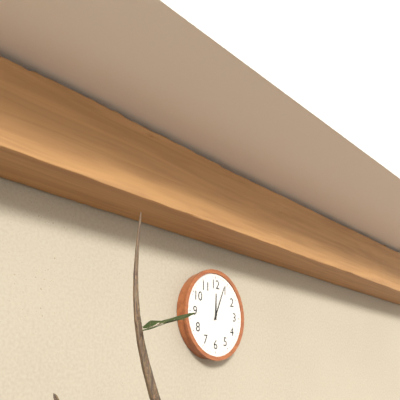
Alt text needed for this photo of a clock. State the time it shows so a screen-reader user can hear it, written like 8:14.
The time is 12:04
